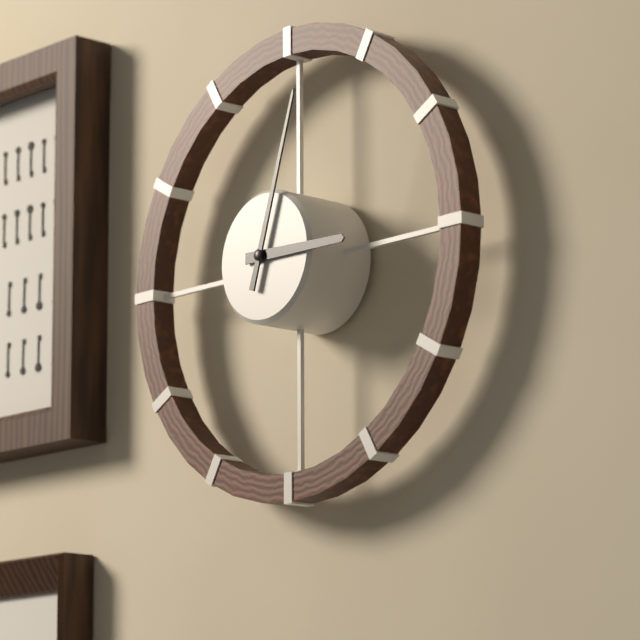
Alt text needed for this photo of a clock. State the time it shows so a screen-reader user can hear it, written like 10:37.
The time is 3:03
